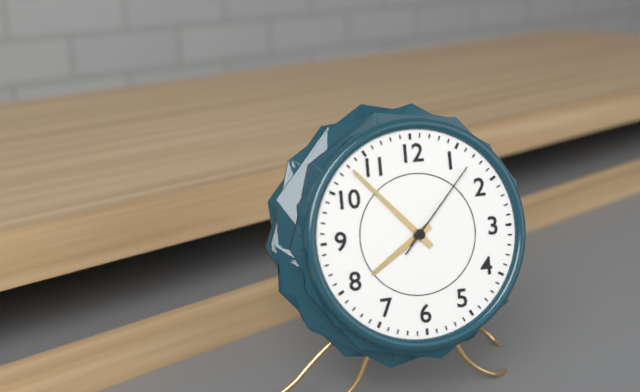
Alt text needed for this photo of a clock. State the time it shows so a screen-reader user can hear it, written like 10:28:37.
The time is 7:53:07
